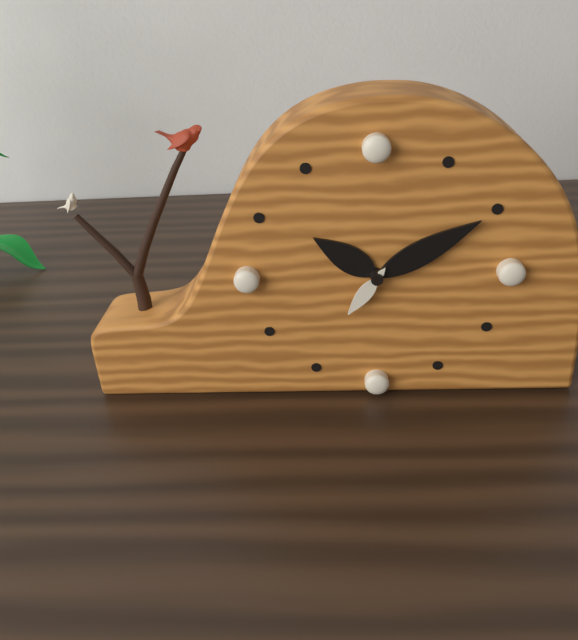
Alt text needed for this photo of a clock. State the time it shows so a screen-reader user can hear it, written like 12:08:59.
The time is 10:10:36
